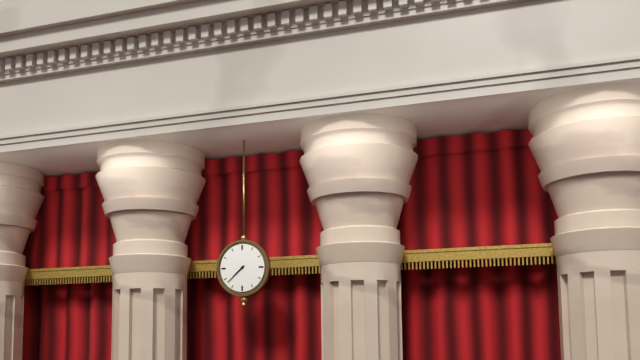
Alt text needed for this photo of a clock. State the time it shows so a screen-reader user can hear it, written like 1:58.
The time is 7:38
